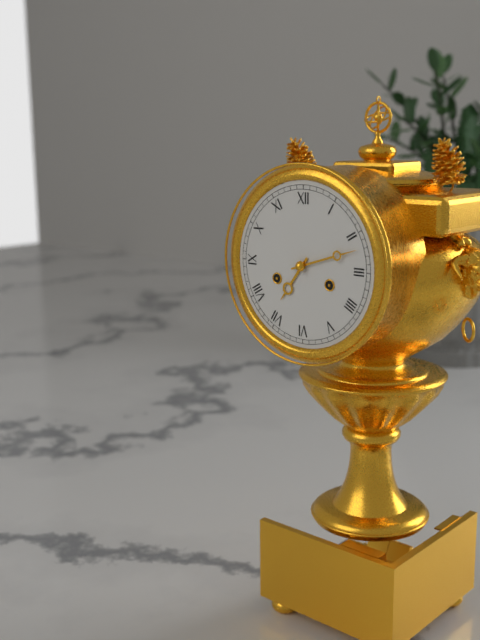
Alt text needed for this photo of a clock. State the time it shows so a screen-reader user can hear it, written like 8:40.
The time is 7:12
